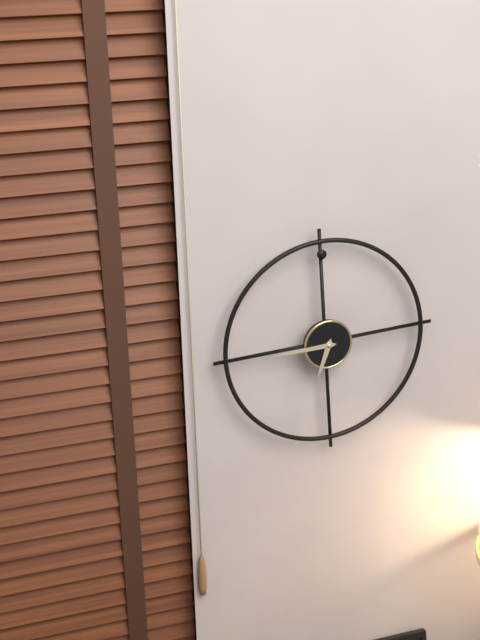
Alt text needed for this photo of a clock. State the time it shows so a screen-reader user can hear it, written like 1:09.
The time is 6:45
